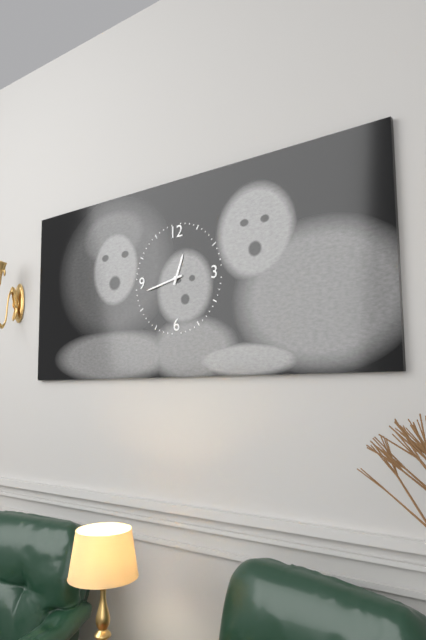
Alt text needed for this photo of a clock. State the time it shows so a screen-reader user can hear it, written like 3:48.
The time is 12:43
